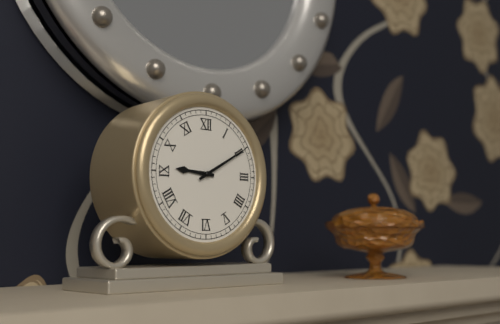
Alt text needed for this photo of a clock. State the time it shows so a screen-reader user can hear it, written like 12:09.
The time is 9:10
